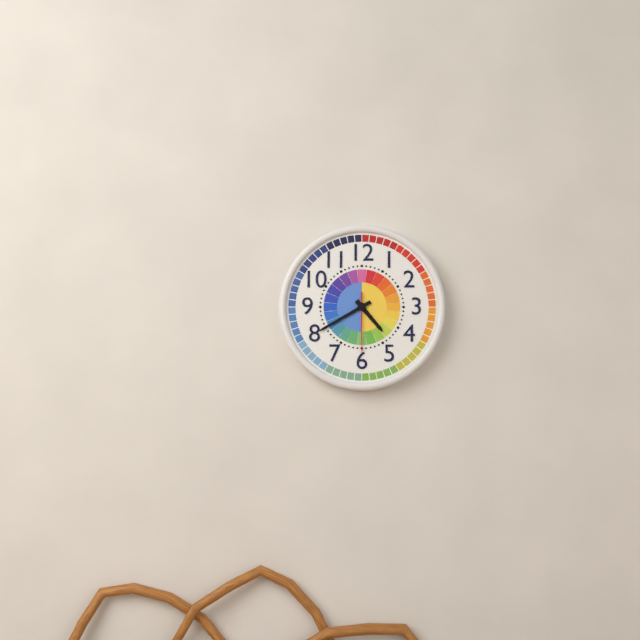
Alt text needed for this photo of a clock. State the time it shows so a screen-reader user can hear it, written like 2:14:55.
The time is 4:40:30
